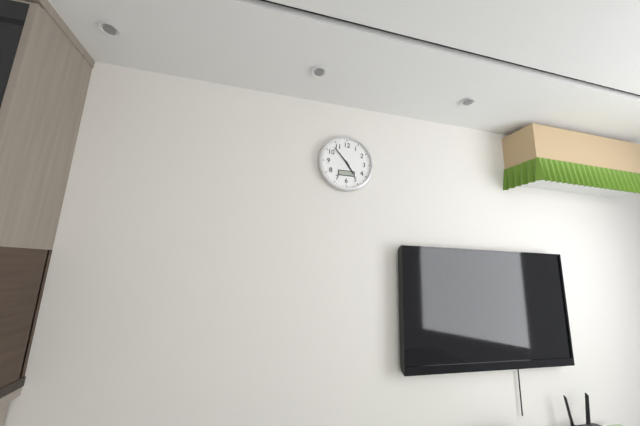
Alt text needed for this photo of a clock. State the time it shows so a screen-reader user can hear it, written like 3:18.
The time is 4:53
